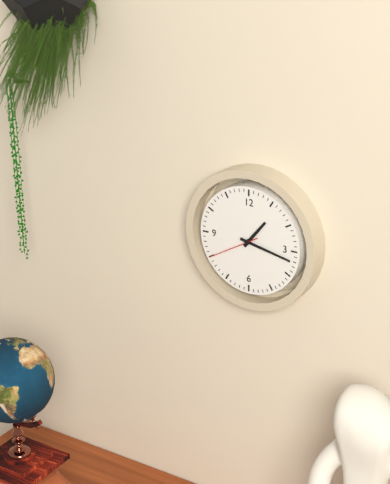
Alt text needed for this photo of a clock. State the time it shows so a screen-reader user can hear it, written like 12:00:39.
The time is 1:17:40
